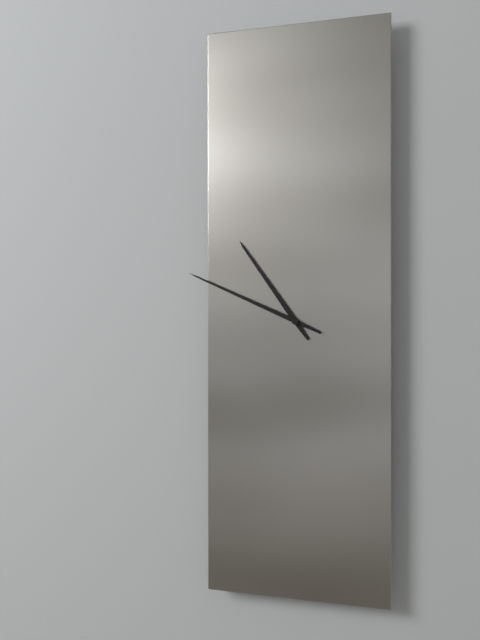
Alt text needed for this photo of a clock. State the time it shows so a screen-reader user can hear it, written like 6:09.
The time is 10:49
